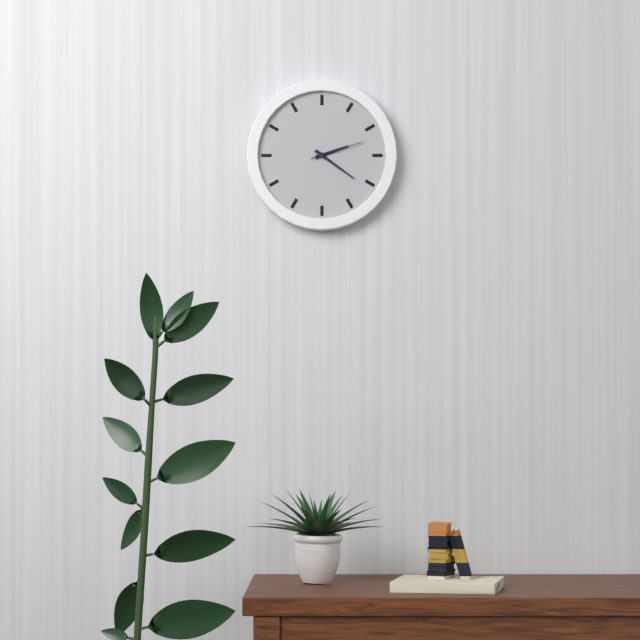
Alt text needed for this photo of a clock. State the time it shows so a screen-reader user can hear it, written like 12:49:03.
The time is 2:21:12
